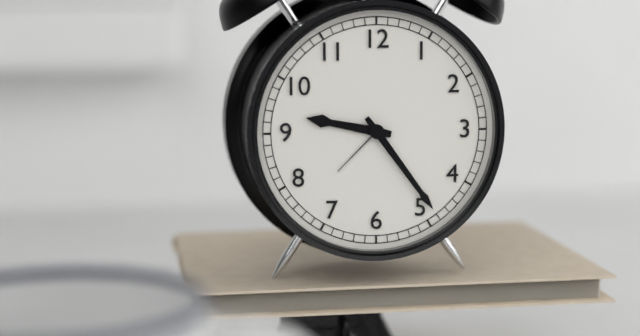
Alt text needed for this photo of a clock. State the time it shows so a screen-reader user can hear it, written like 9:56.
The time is 9:24
